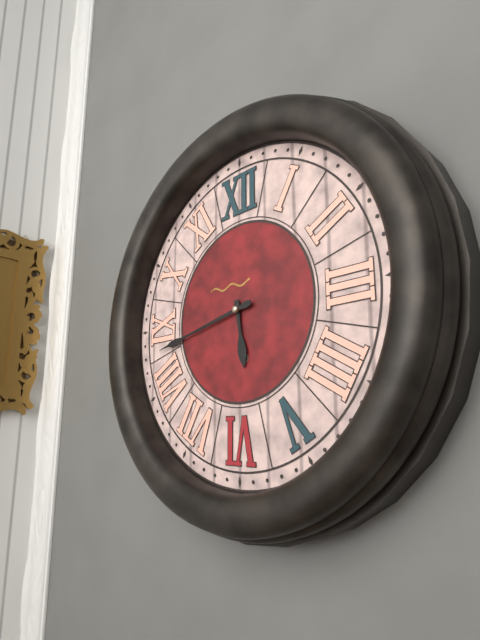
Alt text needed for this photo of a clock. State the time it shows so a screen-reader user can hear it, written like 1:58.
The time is 5:43
